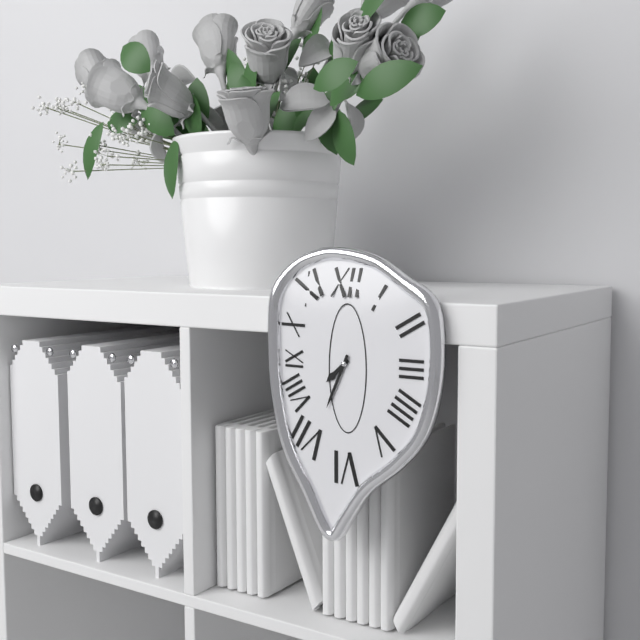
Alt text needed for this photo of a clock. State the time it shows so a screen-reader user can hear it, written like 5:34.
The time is 7:34
